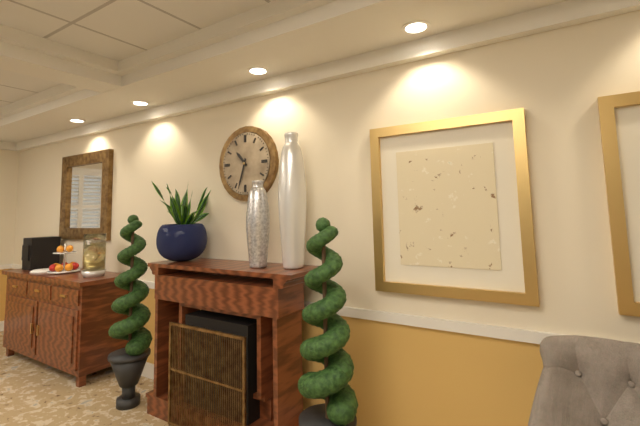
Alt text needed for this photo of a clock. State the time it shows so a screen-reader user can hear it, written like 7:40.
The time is 10:33
